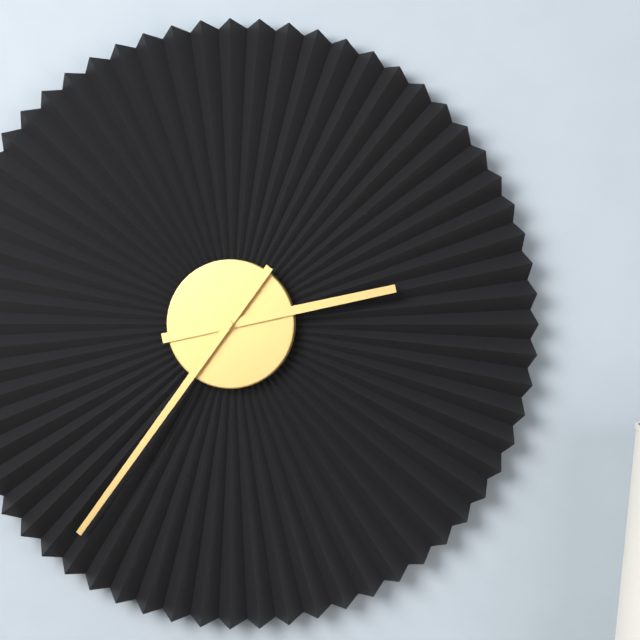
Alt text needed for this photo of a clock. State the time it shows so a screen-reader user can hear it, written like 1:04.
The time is 2:36
